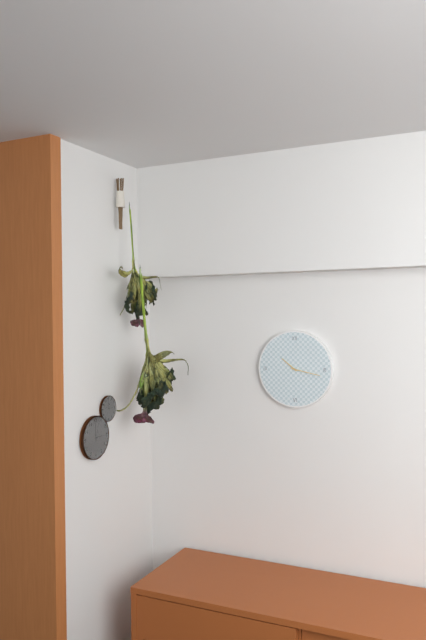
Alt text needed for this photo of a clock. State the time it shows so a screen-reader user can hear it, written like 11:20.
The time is 10:17
